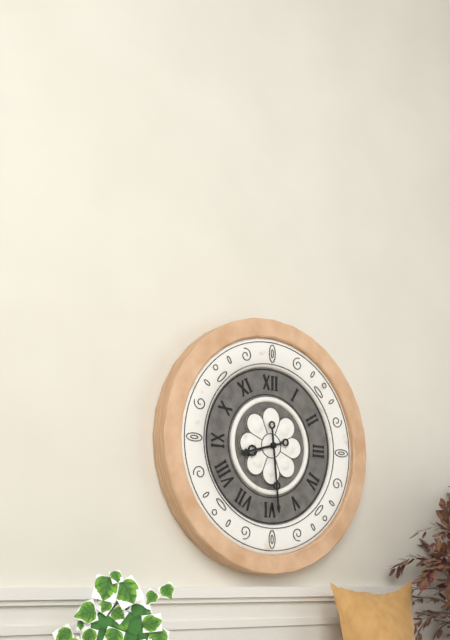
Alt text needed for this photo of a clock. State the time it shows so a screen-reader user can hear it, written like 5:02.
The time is 8:29
